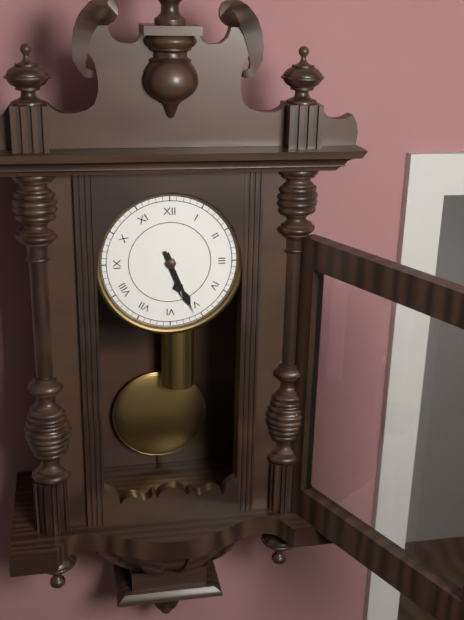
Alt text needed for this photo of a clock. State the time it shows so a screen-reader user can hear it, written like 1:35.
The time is 5:26
